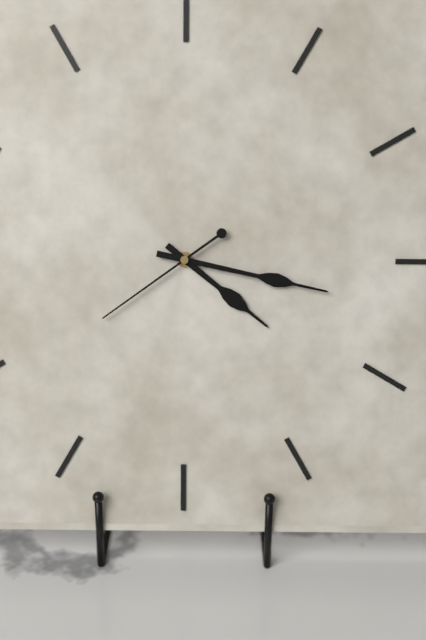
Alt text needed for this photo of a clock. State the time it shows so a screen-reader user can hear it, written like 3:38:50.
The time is 4:17:39
